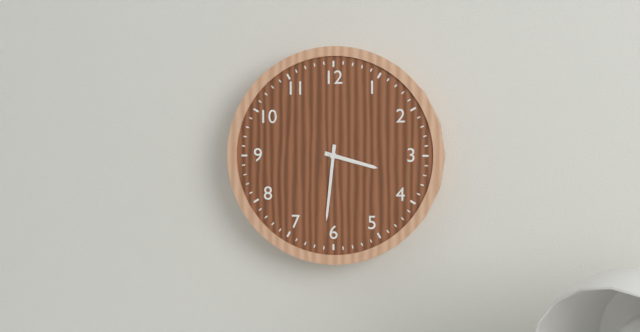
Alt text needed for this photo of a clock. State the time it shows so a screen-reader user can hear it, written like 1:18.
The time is 3:31
